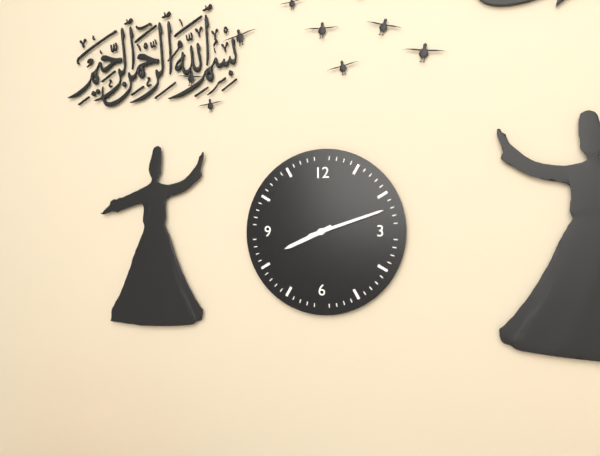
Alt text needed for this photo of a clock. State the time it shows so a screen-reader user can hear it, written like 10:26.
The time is 8:12
